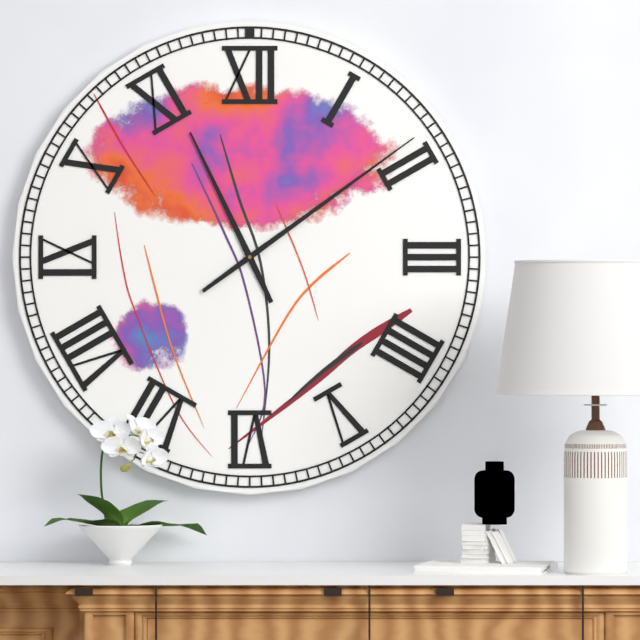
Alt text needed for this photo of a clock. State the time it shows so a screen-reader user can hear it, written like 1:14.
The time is 11:09
